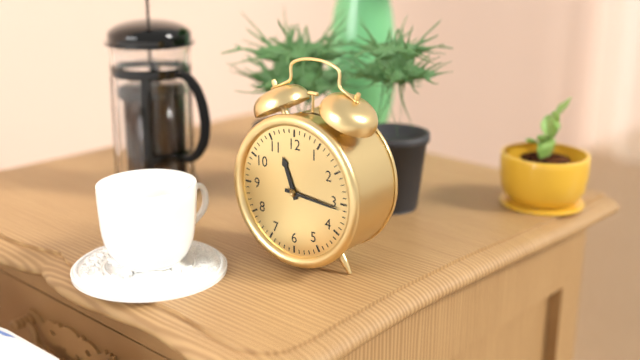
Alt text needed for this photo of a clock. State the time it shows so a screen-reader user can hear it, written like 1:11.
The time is 11:16
